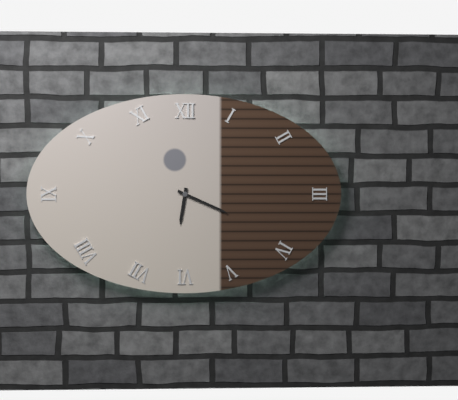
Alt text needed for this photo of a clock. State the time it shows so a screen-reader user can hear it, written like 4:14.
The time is 6:19
